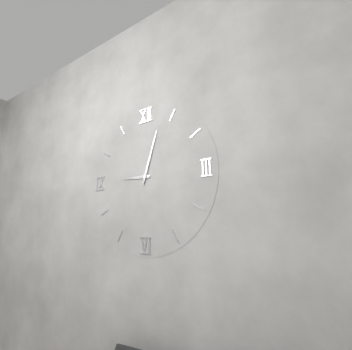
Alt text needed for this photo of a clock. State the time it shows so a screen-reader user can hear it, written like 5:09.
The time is 9:03
